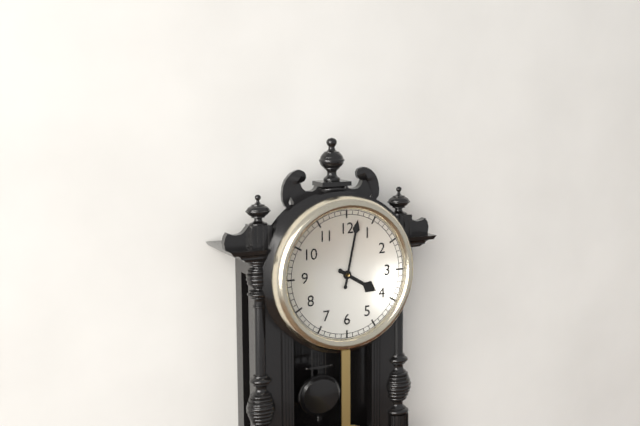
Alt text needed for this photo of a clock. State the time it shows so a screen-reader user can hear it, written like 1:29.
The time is 4:02
